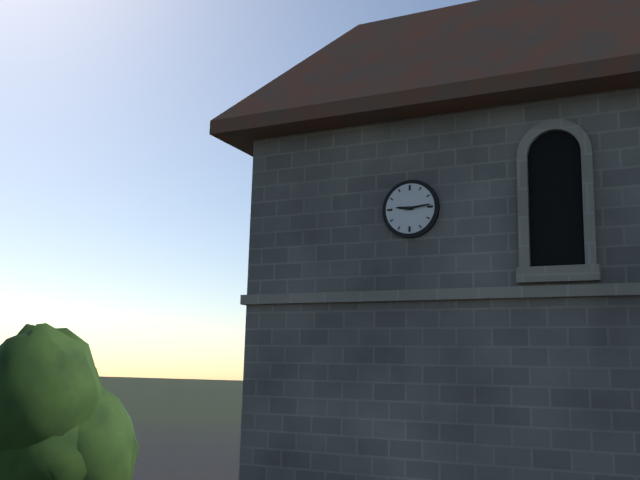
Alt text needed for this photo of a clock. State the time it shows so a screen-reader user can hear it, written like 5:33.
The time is 9:14
